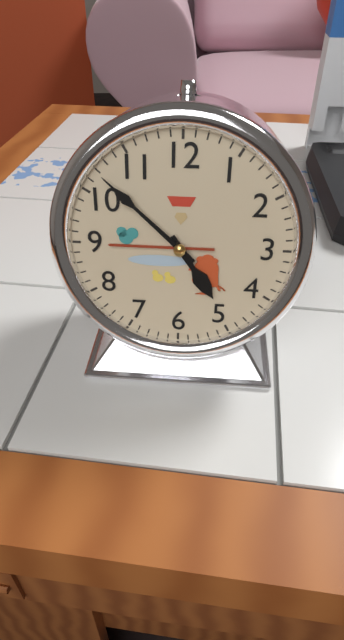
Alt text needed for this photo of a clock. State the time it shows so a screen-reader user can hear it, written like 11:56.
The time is 4:52
